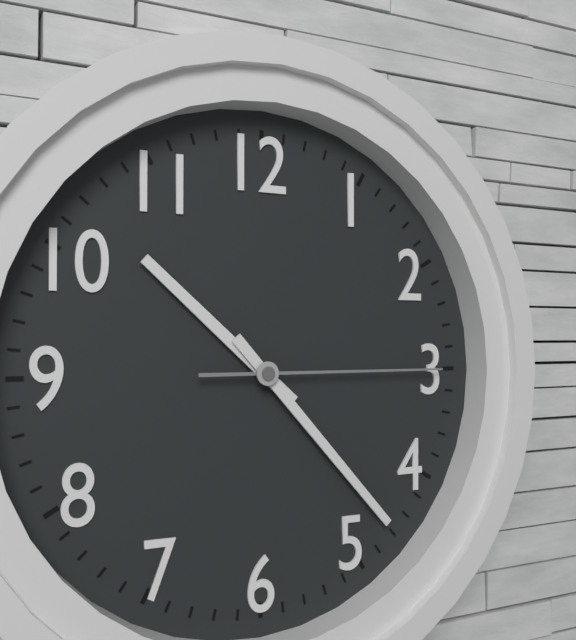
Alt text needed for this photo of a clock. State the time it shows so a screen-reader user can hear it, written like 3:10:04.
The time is 10:23:15
